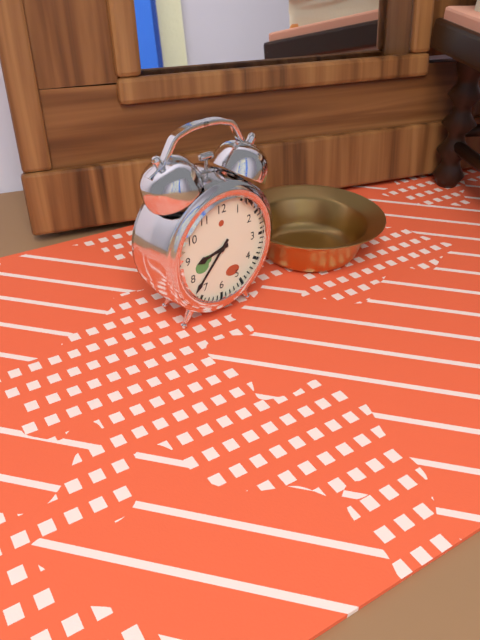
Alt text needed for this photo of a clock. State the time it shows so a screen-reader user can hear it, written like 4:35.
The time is 8:37
